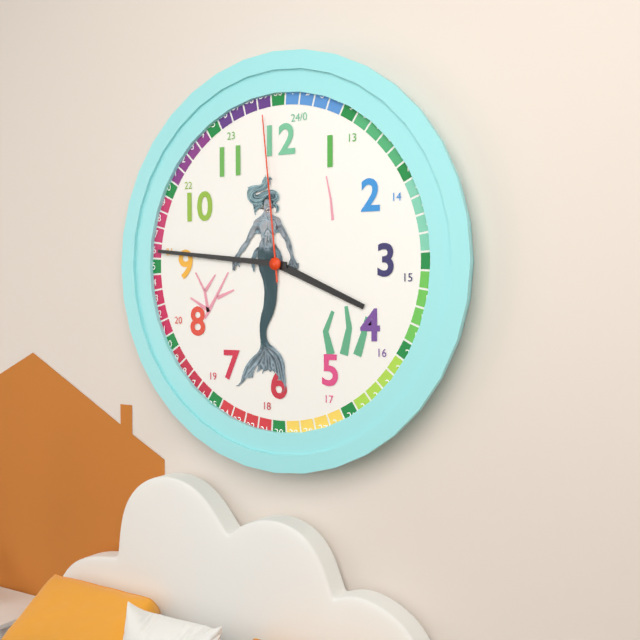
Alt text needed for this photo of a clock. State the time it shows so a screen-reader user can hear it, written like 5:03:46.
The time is 3:46:59
